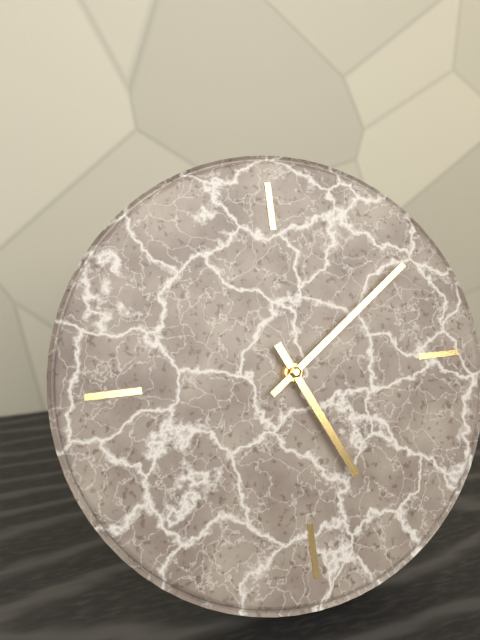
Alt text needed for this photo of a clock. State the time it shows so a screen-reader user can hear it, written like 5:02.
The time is 5:09
